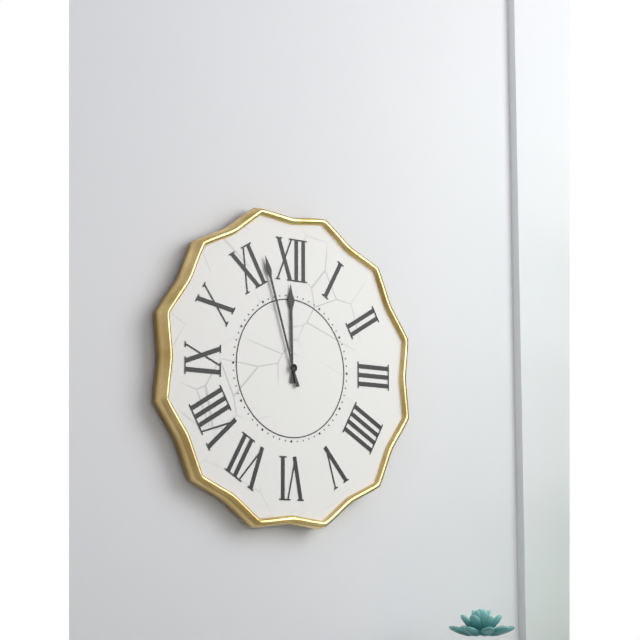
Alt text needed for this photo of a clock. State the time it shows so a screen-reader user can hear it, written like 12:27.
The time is 11:57
